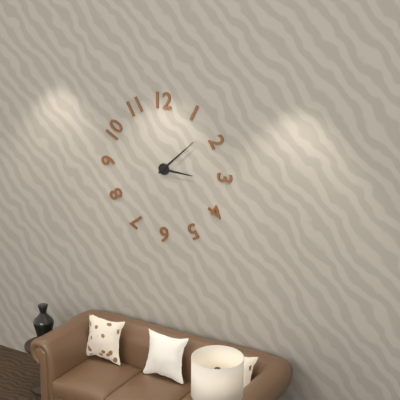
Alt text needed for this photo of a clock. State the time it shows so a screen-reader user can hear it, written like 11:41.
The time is 3:08
